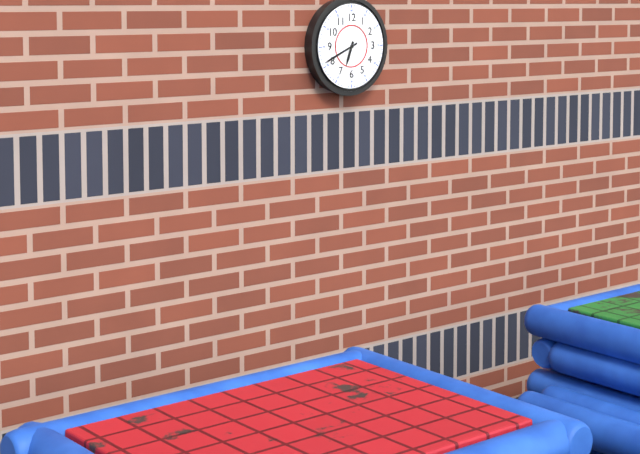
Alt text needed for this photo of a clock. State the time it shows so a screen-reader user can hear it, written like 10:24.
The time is 6:41
